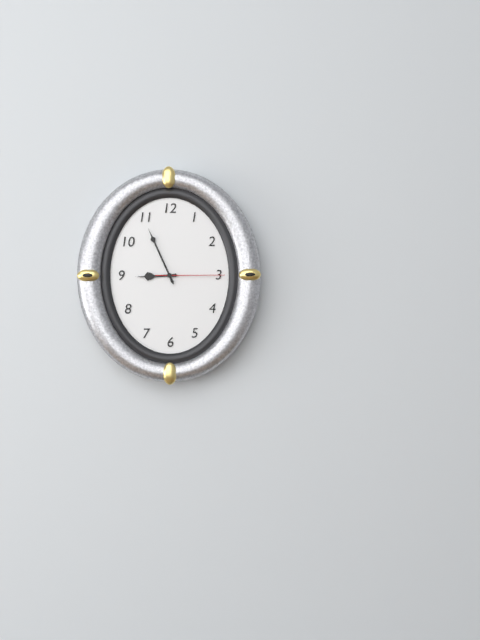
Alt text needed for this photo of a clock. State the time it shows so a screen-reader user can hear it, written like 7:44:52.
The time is 8:56:15
